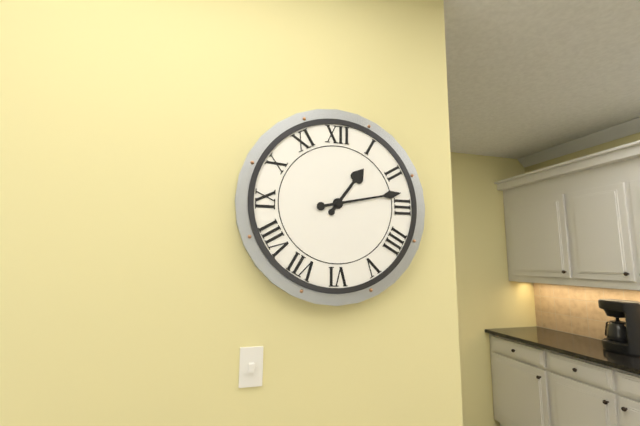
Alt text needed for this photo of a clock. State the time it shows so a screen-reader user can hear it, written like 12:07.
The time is 1:13
